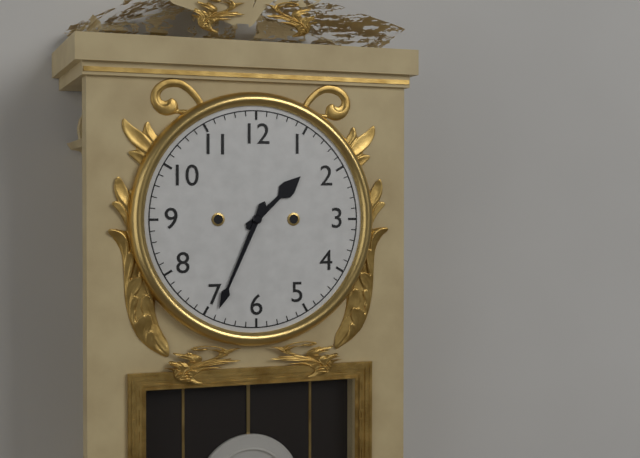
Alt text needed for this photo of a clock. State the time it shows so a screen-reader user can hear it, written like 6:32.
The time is 1:34
